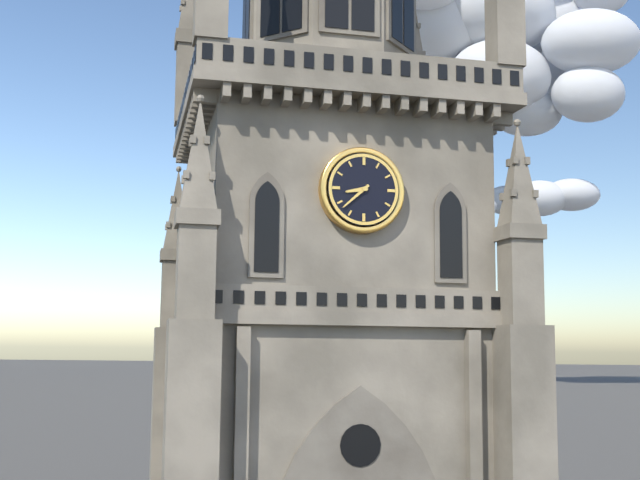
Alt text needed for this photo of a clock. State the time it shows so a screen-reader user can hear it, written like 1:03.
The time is 8:38
